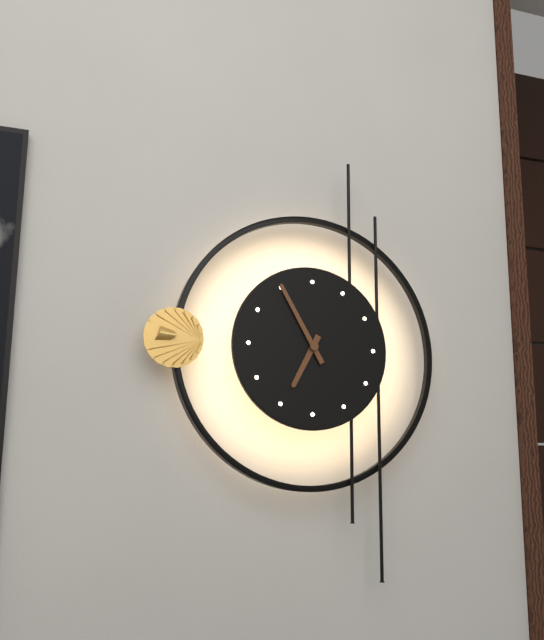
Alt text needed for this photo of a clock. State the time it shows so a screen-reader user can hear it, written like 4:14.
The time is 6:55
